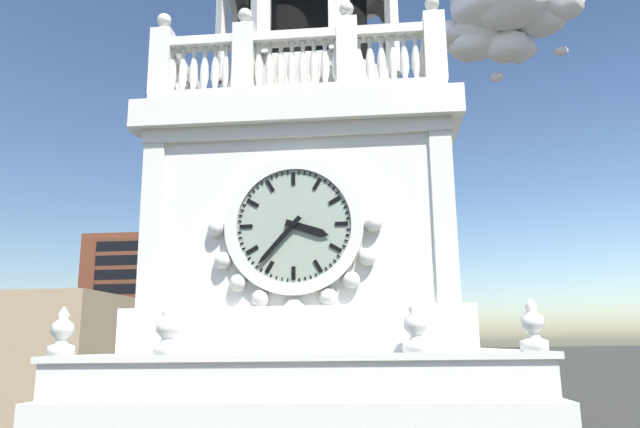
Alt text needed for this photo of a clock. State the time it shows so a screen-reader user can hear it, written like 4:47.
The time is 3:37
